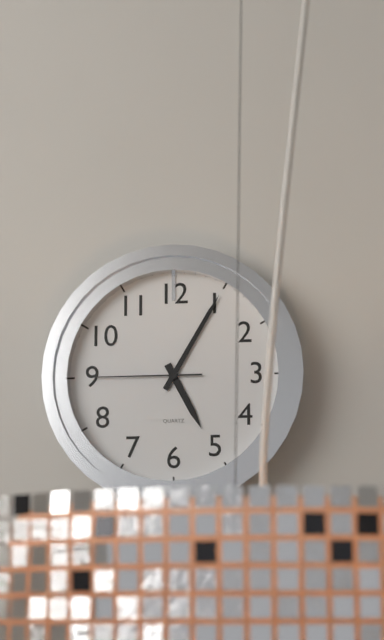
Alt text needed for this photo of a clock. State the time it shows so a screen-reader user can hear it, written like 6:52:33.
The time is 5:05:45
